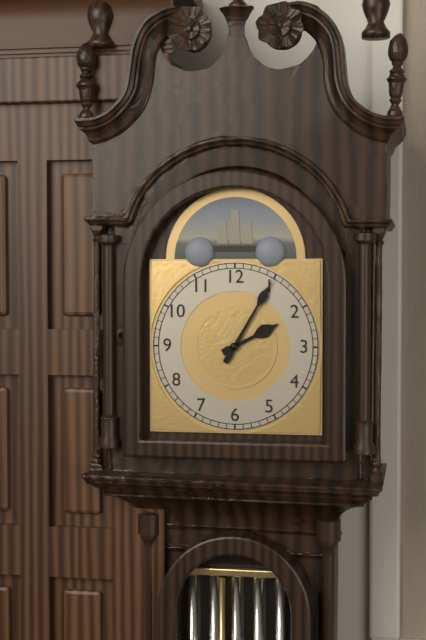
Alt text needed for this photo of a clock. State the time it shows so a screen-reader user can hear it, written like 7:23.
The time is 2:05
